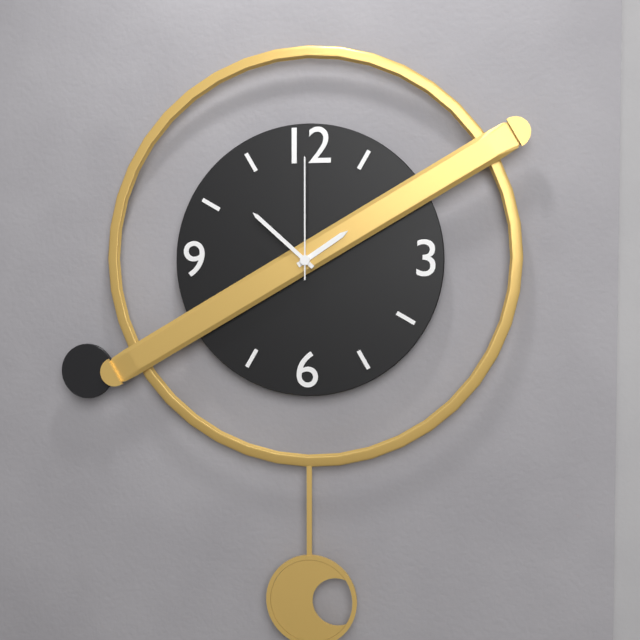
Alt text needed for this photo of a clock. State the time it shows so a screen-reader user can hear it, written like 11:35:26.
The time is 1:52:00
